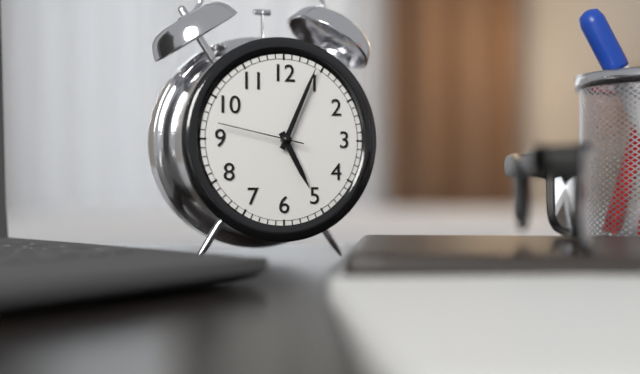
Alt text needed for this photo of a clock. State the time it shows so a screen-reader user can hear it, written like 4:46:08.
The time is 5:04:47
